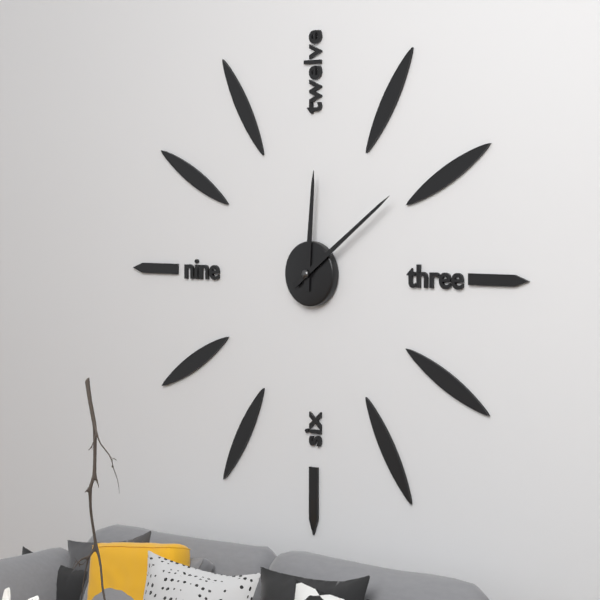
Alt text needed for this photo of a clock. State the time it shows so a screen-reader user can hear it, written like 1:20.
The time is 12:09
